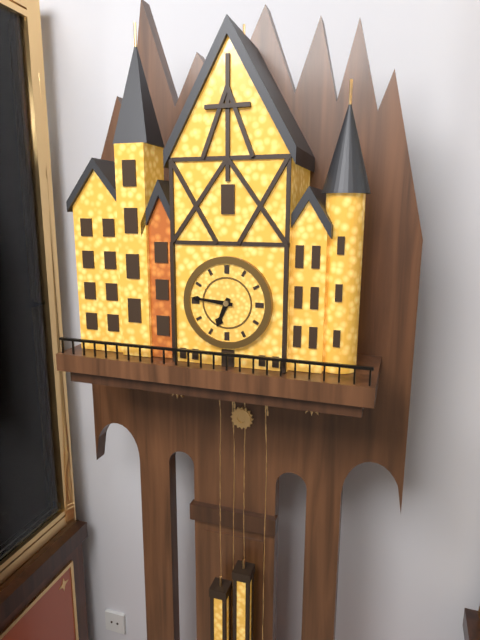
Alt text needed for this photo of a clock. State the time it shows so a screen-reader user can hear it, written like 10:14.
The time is 6:46
